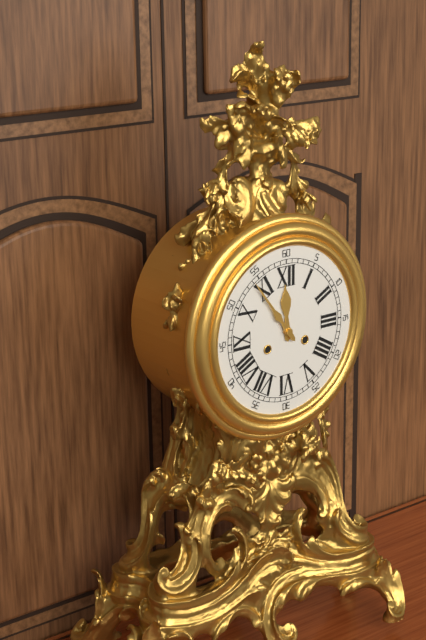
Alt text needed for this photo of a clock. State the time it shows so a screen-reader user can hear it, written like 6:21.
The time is 11:54
